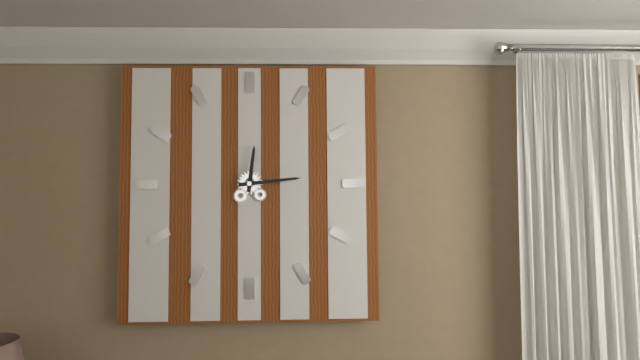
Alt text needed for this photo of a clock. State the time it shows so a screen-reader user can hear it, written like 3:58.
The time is 12:14
